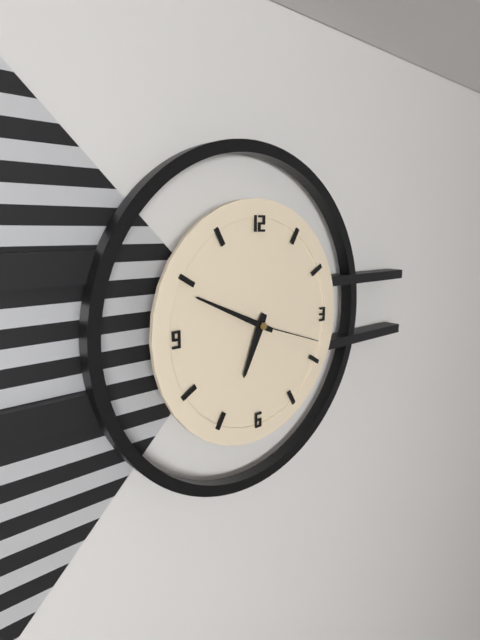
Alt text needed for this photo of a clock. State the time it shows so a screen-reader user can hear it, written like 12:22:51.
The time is 6:49:18
